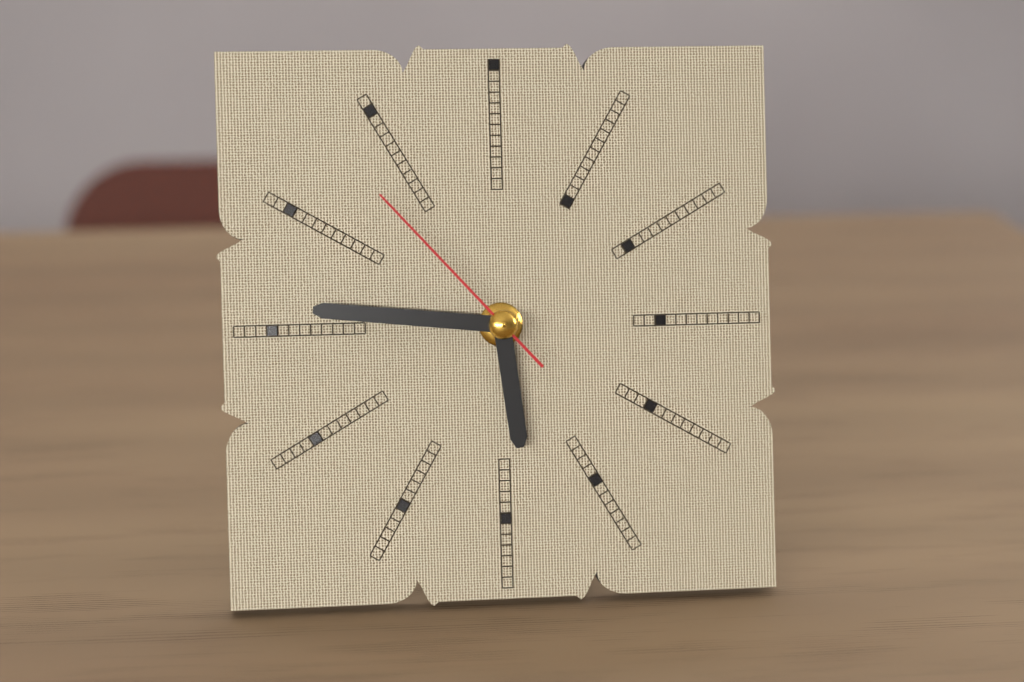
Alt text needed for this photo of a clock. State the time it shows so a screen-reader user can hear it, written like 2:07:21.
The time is 5:46:53
